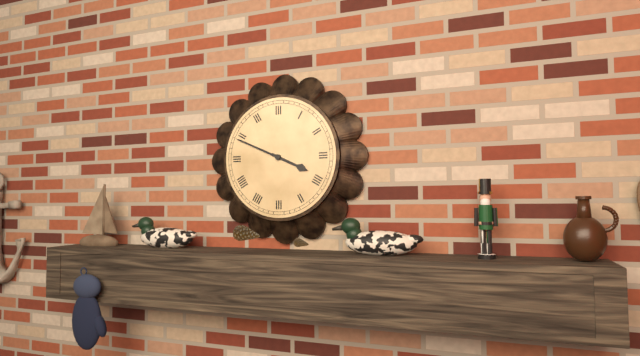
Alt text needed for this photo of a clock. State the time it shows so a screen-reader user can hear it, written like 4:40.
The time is 3:49
